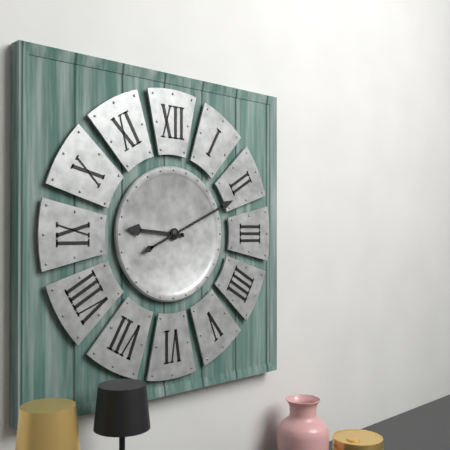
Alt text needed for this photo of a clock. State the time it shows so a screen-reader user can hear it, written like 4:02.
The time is 9:11
